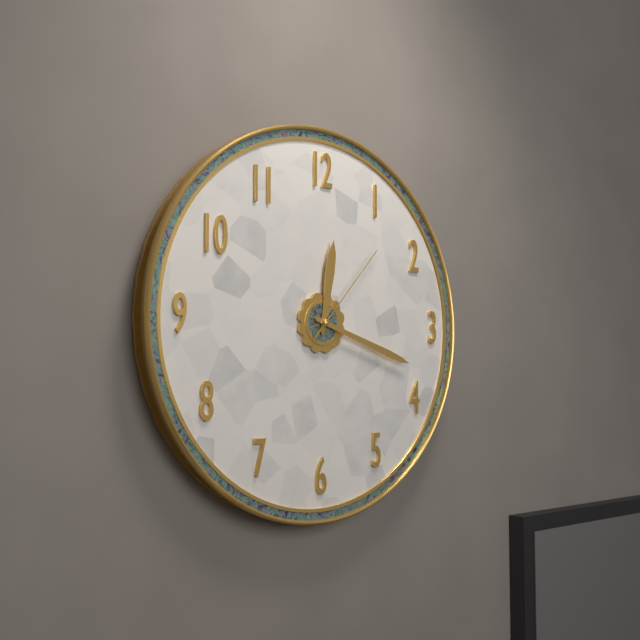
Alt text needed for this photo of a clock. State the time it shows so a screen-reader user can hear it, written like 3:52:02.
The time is 12:18:07
